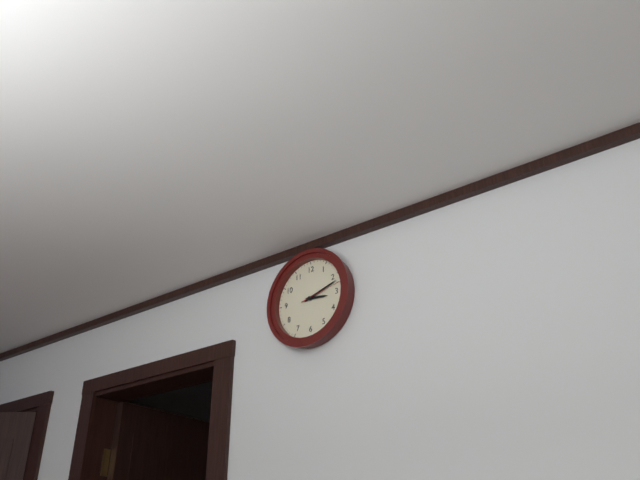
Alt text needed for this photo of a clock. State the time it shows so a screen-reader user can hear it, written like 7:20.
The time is 3:12
